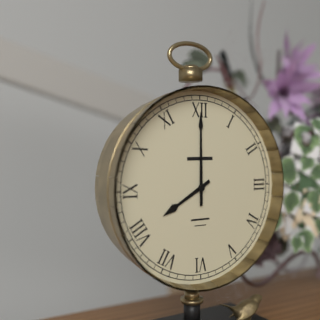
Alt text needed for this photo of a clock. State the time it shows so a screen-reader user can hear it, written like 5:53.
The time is 8:00
